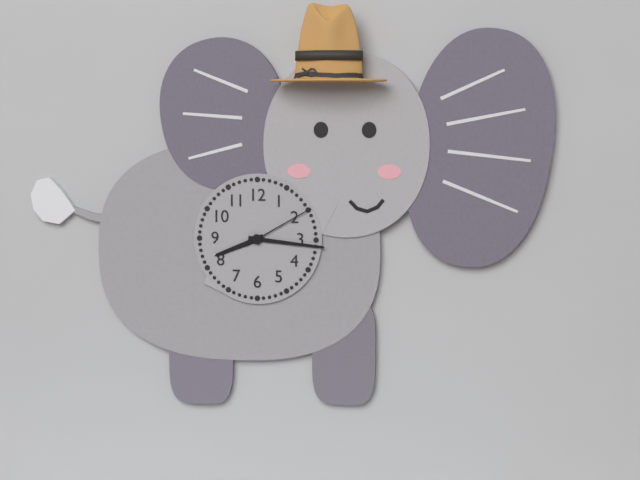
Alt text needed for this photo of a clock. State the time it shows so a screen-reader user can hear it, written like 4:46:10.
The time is 8:16:10
